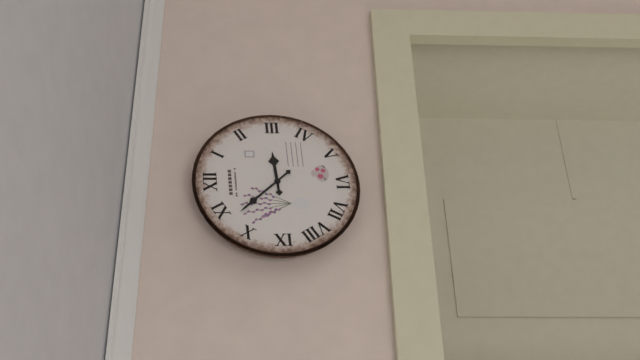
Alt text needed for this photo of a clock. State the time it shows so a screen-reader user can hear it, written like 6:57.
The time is 2:53
